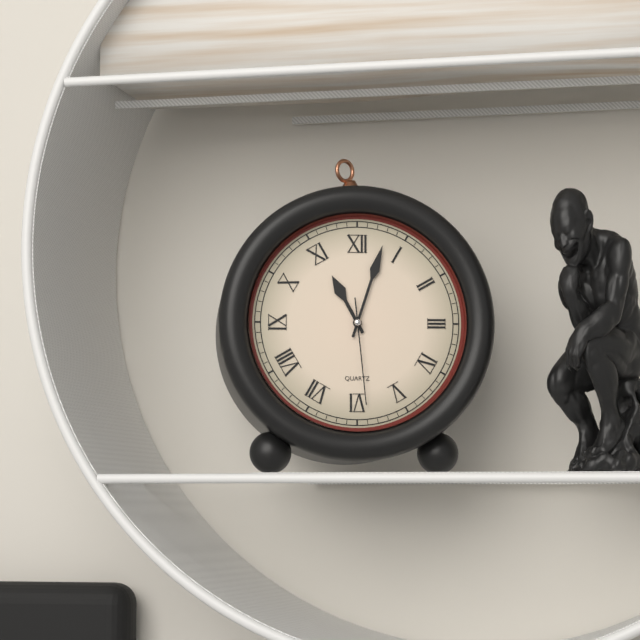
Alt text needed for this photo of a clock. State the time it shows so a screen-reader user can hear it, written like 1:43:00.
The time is 11:03:29
